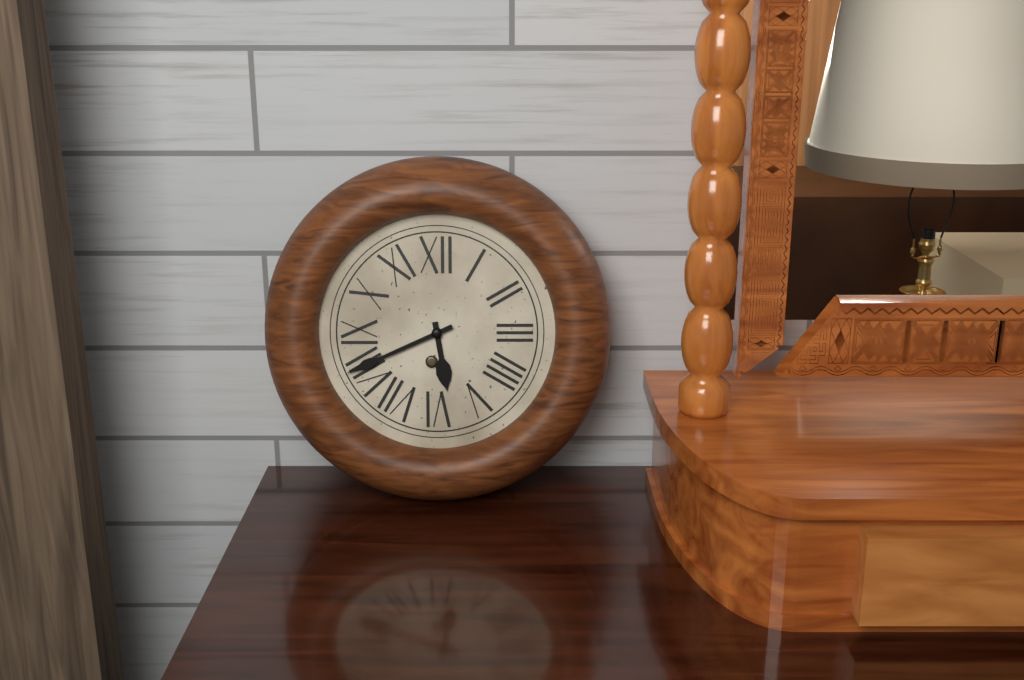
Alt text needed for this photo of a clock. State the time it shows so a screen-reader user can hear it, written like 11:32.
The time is 5:41
